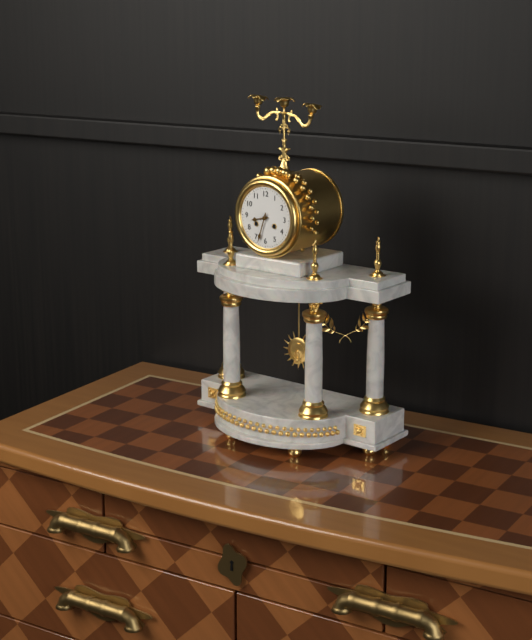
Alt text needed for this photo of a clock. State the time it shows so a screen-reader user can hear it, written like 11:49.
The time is 8:33
